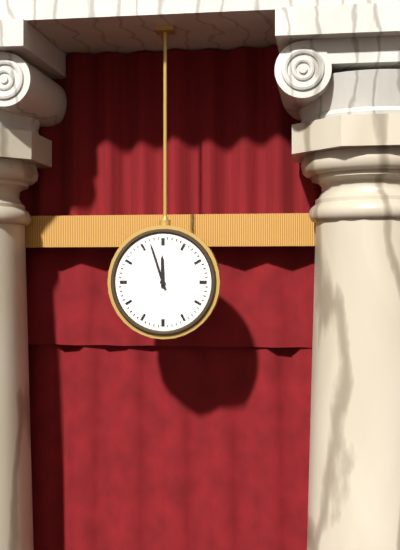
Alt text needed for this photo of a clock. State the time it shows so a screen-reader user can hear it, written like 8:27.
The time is 11:57
